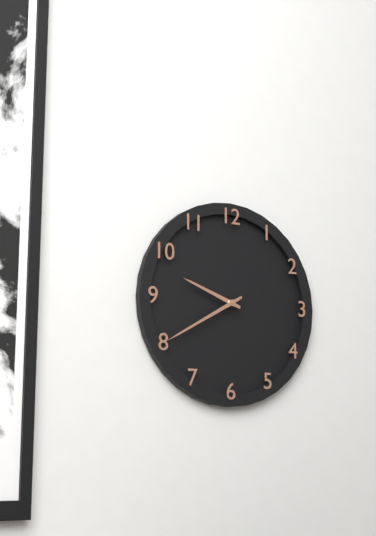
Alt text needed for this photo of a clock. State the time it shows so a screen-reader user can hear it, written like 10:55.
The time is 9:40
